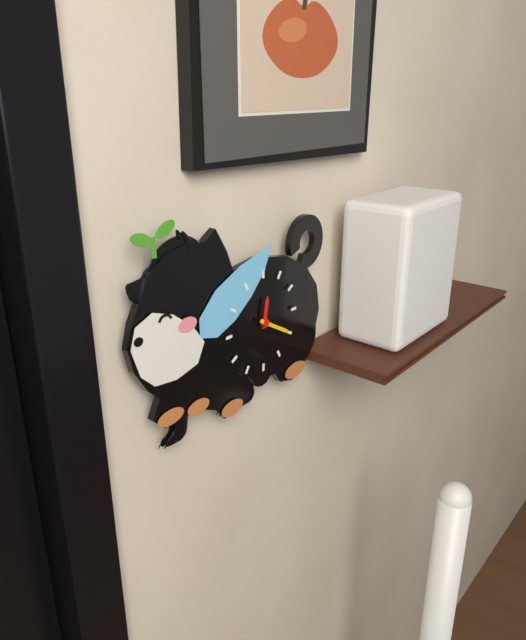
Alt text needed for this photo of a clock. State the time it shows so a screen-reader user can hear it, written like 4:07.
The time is 12:20
